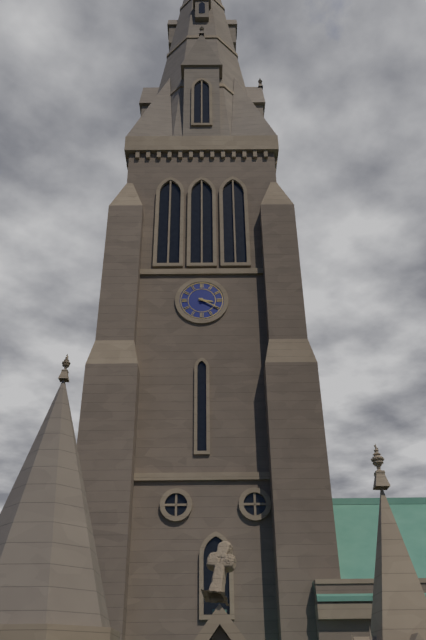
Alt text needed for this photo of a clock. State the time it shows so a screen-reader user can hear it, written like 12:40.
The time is 3:20
